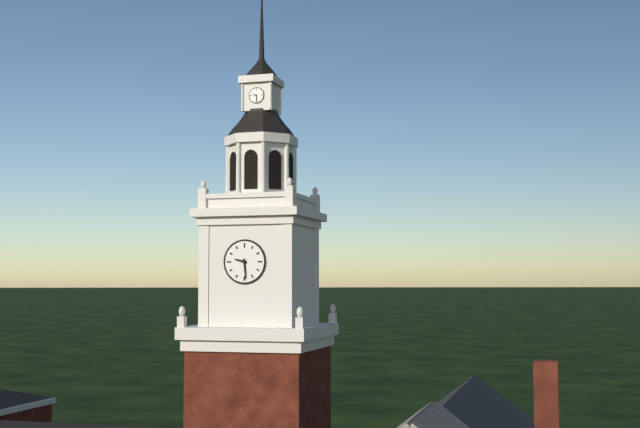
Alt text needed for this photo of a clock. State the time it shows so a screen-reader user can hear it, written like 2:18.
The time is 9:29
